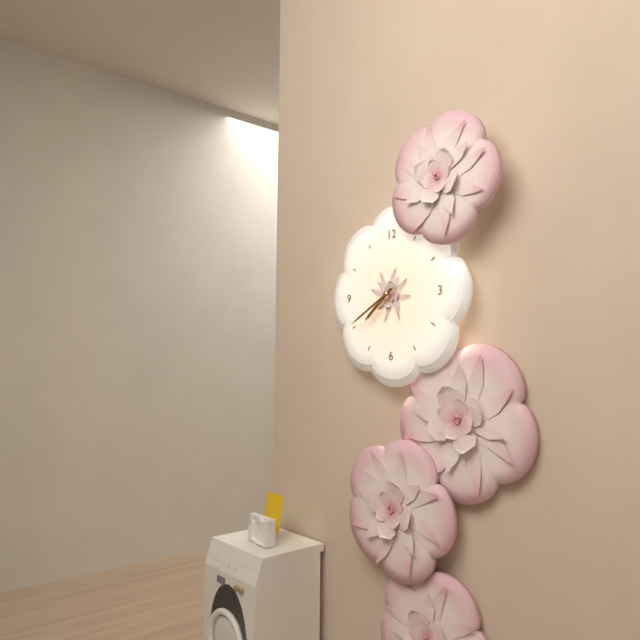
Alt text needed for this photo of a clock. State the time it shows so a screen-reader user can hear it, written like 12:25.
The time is 7:40
